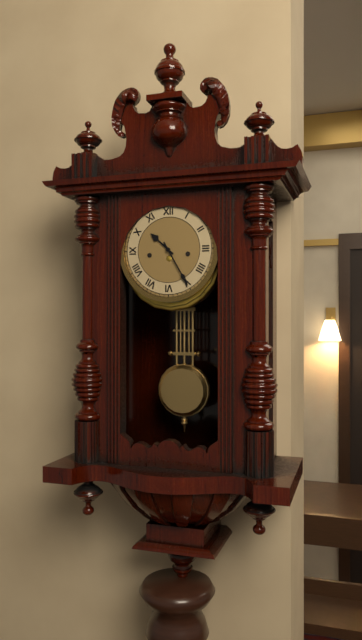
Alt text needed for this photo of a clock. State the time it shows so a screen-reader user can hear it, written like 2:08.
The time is 10:25
